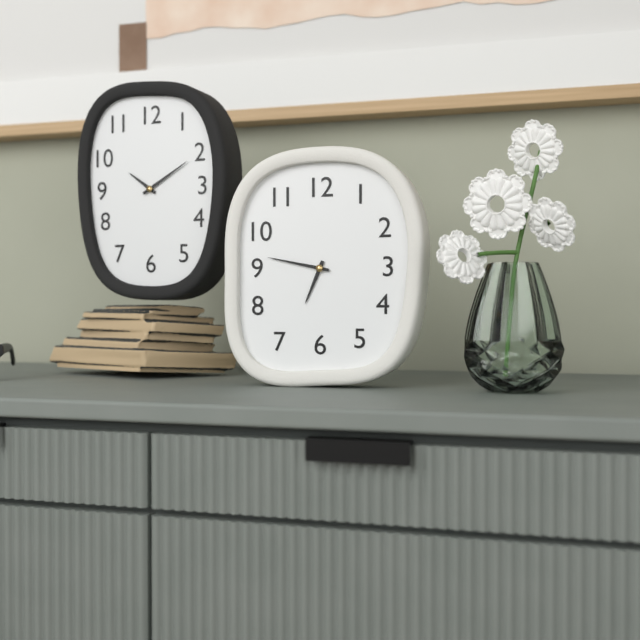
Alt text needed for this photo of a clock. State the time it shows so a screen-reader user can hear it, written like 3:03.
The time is 6:47
